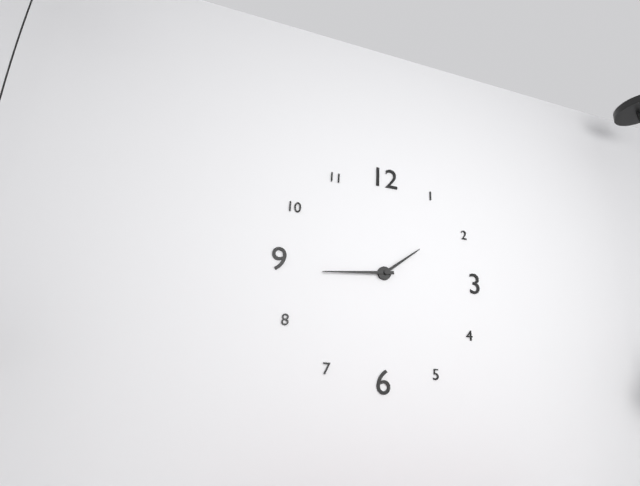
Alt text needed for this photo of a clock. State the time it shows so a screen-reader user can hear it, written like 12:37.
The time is 1:44
